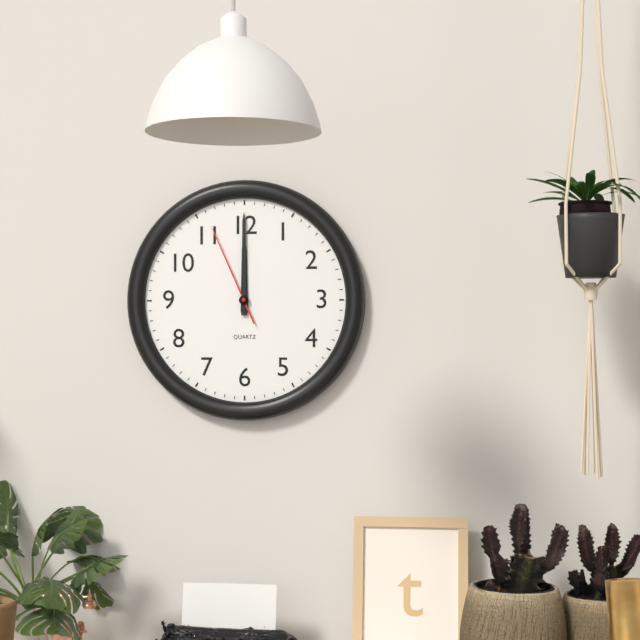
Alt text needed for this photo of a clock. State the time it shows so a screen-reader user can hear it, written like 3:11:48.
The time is 12:00:56
